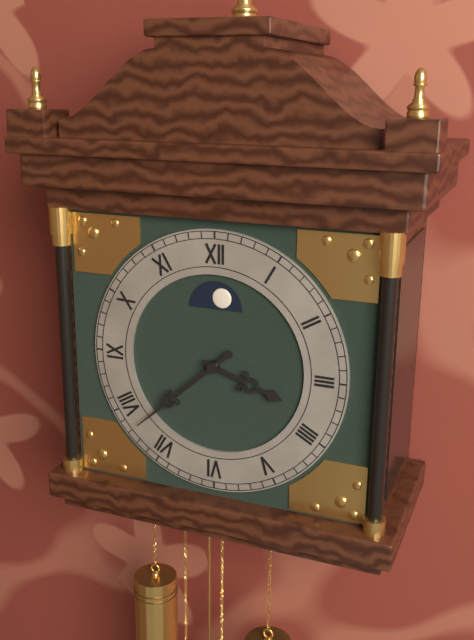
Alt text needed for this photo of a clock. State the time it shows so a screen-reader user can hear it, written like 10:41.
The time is 3:38
